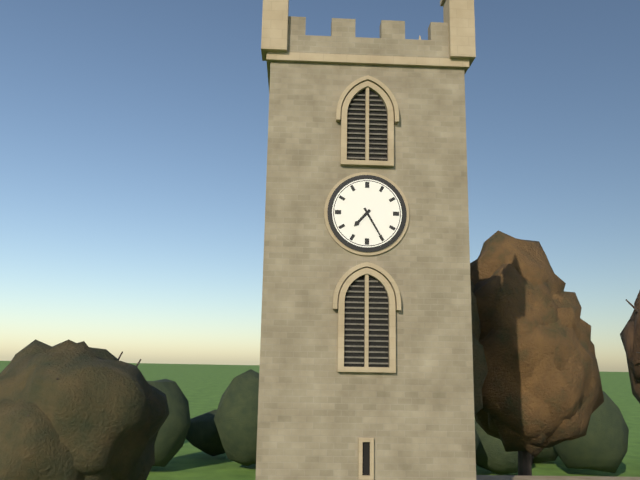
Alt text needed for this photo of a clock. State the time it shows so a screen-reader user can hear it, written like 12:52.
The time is 7:25
